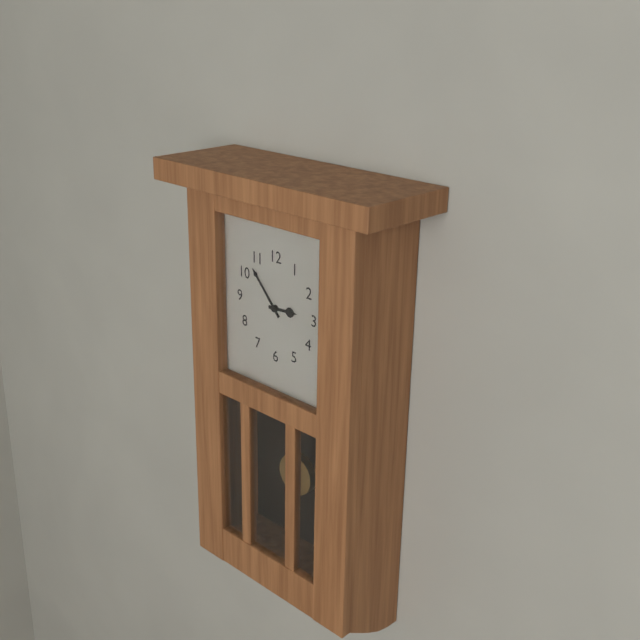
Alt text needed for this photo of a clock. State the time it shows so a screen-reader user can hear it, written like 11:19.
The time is 2:53
